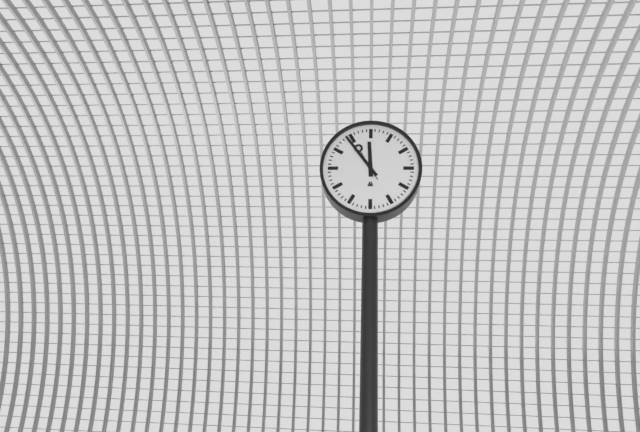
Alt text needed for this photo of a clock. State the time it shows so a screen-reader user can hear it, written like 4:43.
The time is 11:54
